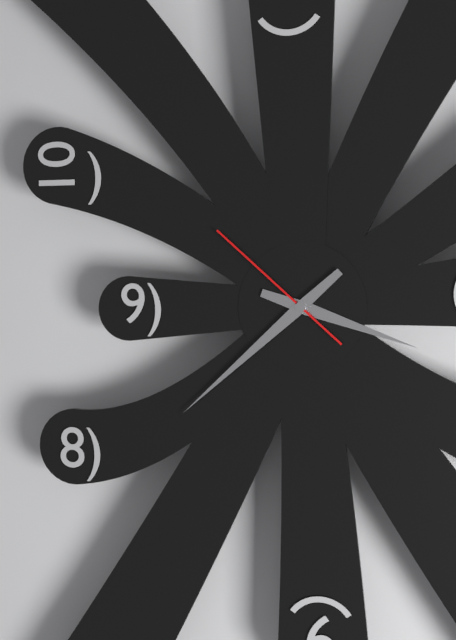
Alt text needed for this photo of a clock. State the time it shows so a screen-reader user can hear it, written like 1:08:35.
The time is 3:38:52
